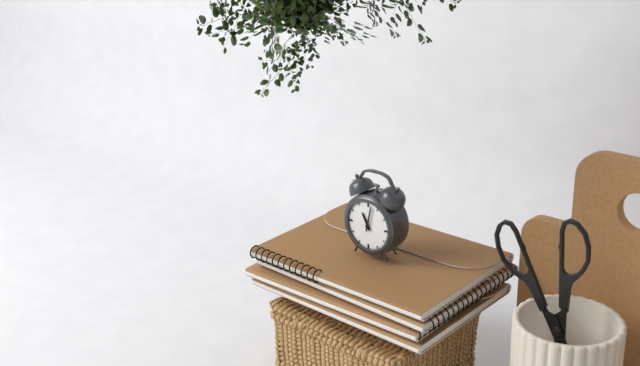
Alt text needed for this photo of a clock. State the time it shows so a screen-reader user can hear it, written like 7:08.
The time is 11:02
